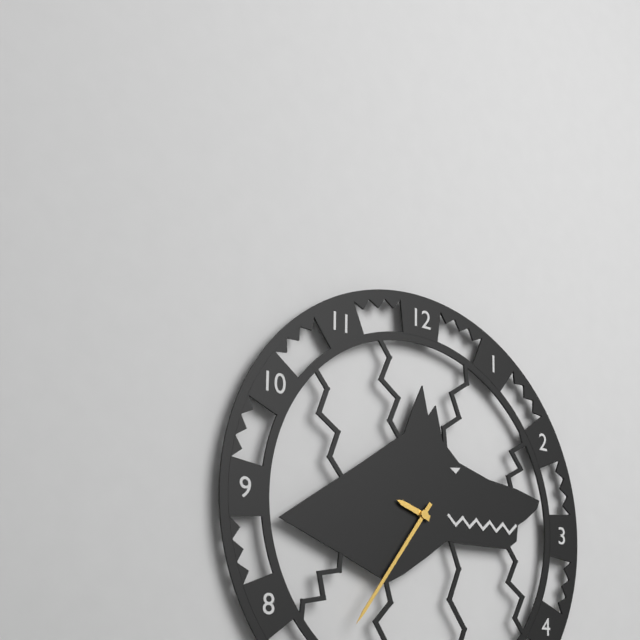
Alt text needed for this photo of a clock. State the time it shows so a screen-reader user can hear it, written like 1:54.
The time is 9:36
